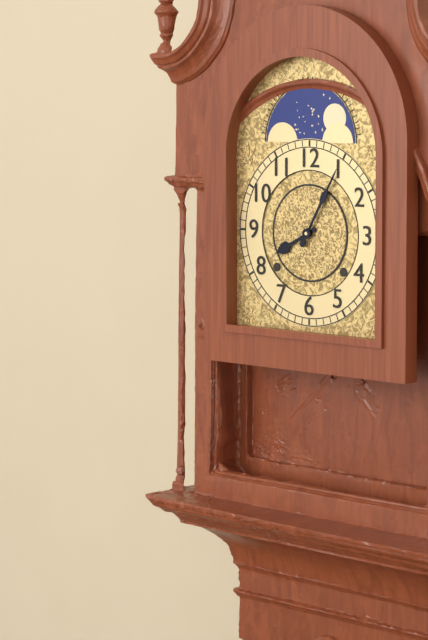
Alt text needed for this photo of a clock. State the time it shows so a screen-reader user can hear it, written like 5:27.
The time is 8:05
